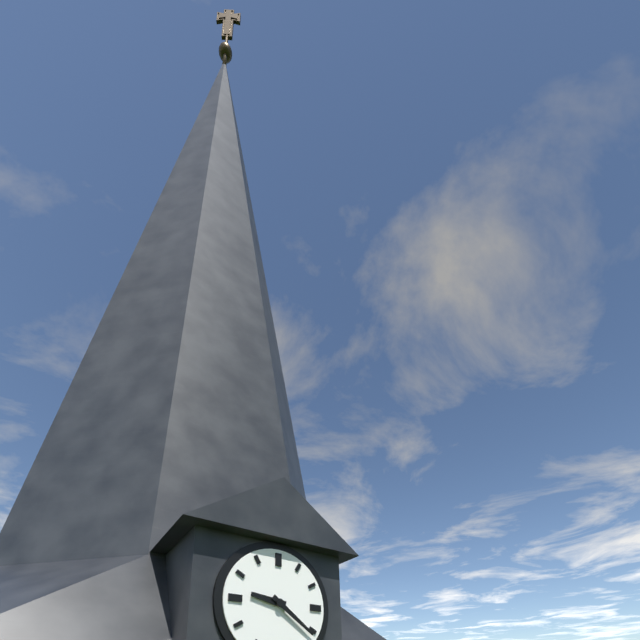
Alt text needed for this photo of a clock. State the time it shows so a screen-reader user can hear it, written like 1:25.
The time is 9:21
